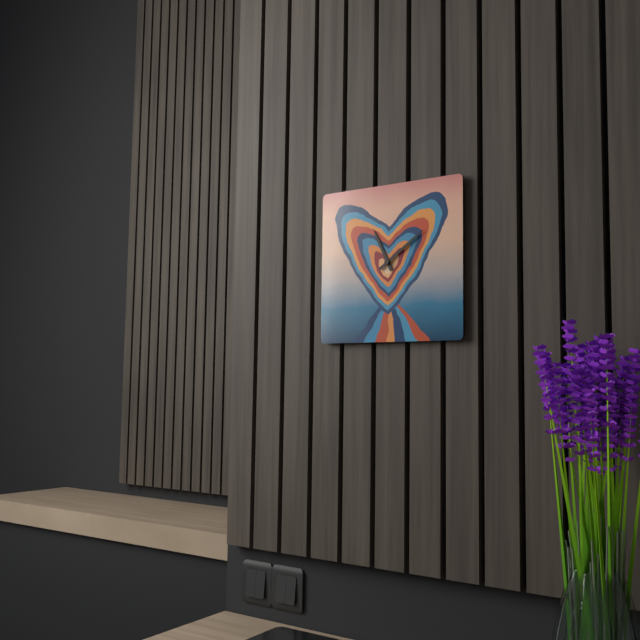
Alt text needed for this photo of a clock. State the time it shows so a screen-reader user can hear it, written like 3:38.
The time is 11:09
